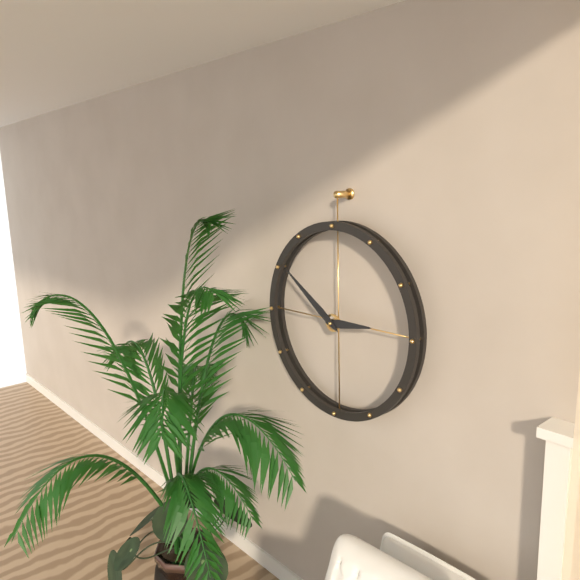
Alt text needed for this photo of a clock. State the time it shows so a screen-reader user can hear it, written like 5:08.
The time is 2:51
